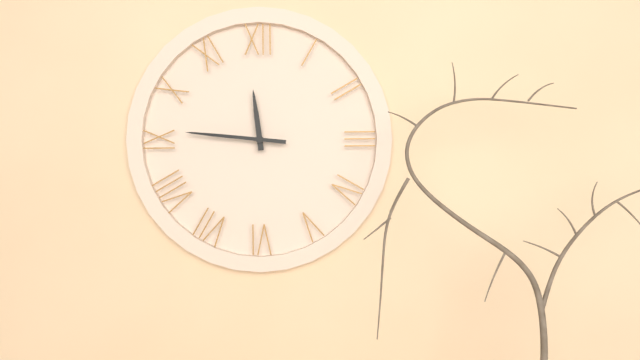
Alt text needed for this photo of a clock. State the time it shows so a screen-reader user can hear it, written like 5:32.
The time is 11:46
